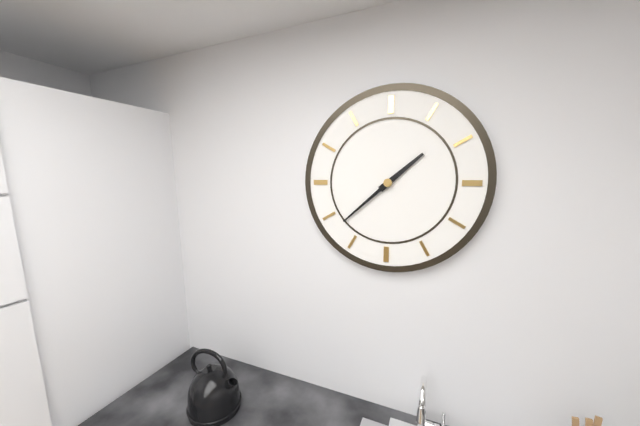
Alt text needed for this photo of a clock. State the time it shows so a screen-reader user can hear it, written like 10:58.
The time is 1:38
